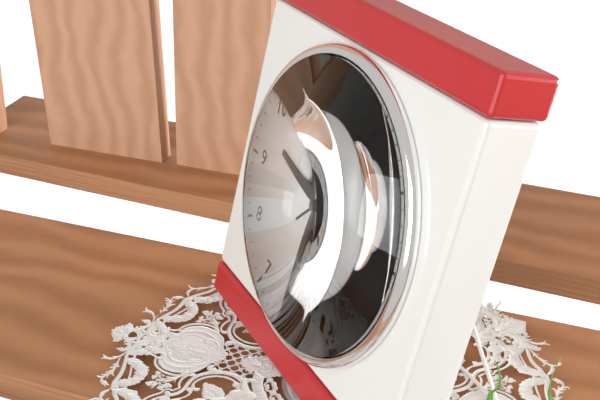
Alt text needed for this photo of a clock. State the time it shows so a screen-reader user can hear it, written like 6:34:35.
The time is 9:31:07
